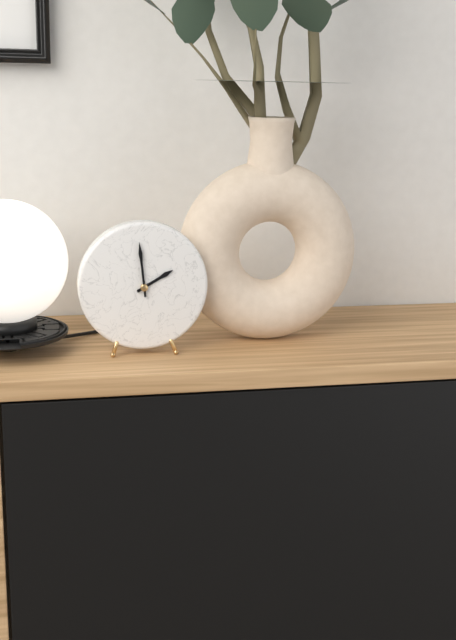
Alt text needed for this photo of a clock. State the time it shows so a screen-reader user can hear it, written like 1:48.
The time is 1:59
